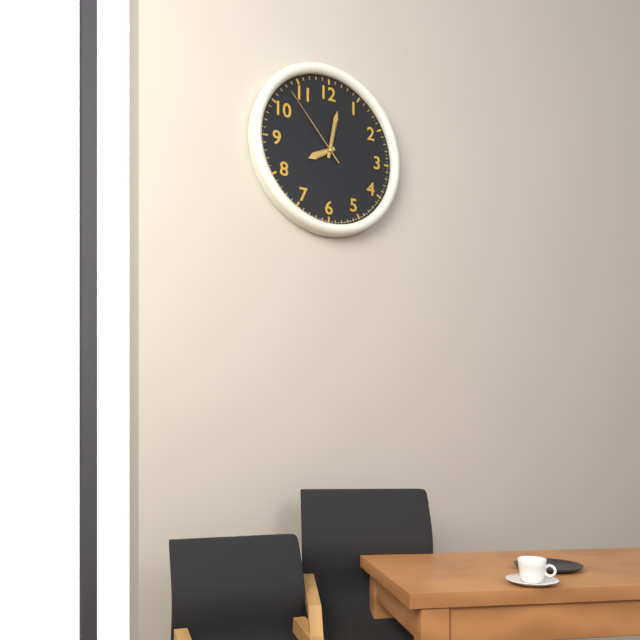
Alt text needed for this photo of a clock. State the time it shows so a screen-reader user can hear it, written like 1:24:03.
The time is 8:02:53
